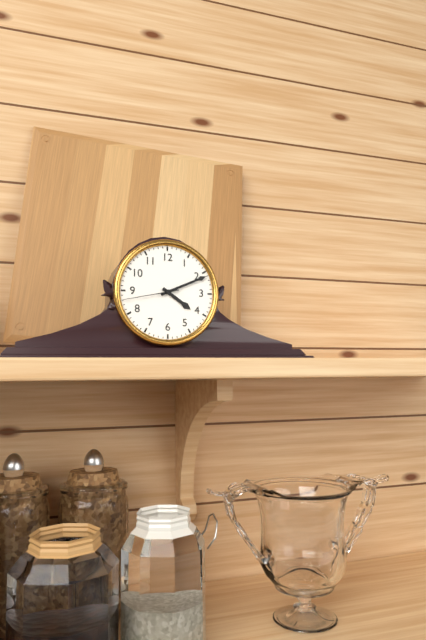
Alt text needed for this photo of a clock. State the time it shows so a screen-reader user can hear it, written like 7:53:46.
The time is 4:11:43
